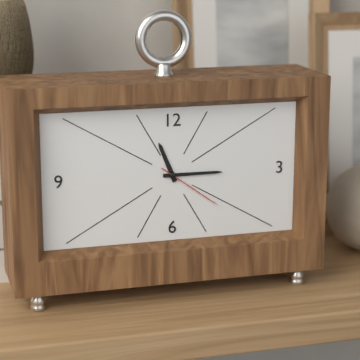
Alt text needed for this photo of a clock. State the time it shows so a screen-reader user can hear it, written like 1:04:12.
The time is 11:15:21
